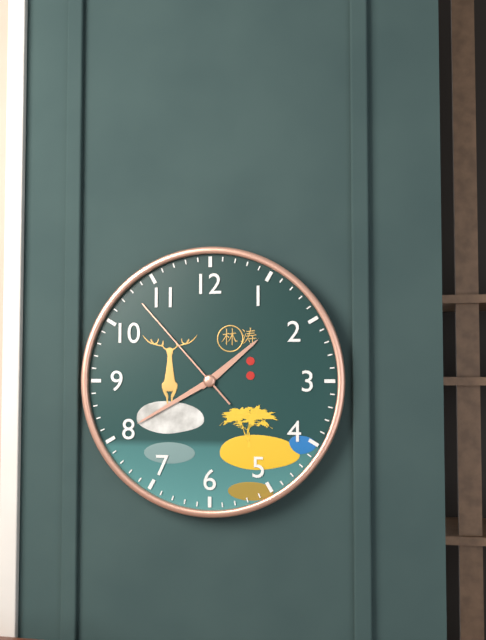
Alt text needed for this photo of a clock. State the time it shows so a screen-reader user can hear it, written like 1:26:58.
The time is 1:40:53
